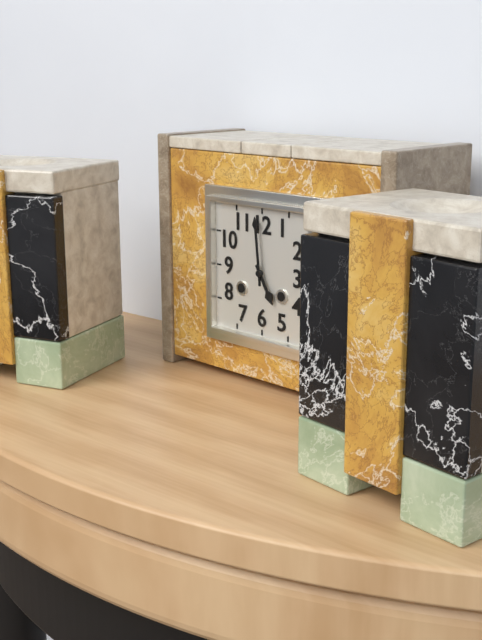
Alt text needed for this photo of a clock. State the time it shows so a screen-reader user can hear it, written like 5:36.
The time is 4:59
